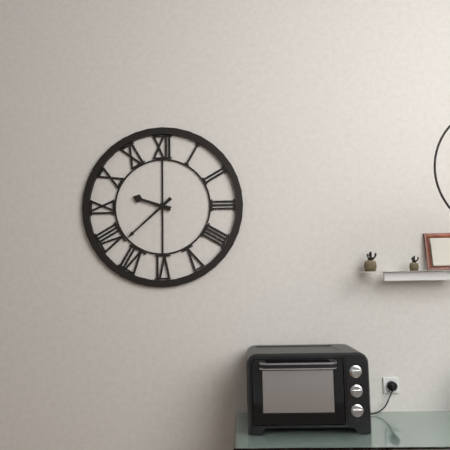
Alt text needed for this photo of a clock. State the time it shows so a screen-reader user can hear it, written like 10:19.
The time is 9:38
